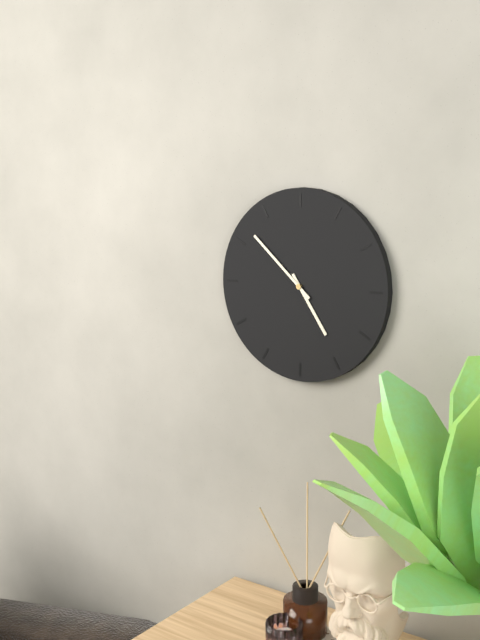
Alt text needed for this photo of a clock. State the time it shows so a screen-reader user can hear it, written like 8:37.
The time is 4:52
